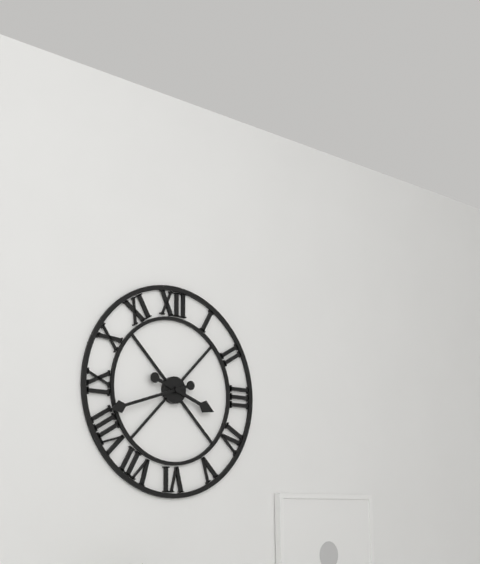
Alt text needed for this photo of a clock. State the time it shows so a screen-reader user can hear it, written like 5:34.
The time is 3:42
